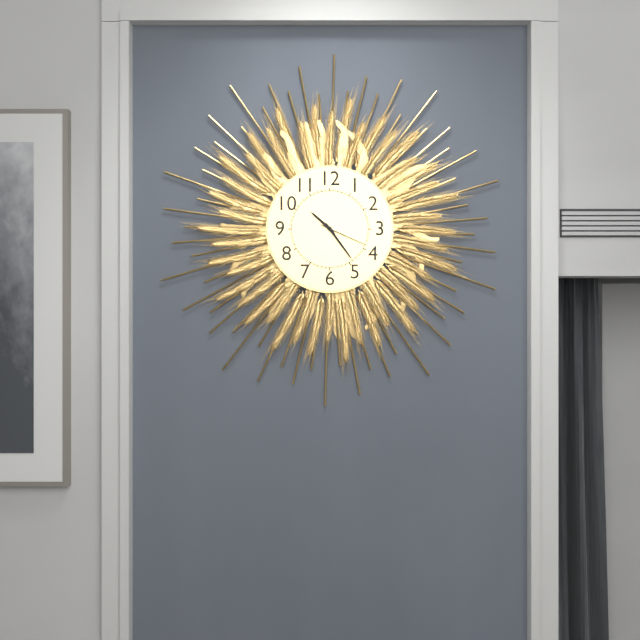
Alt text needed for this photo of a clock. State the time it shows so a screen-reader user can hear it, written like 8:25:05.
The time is 10:24:19
